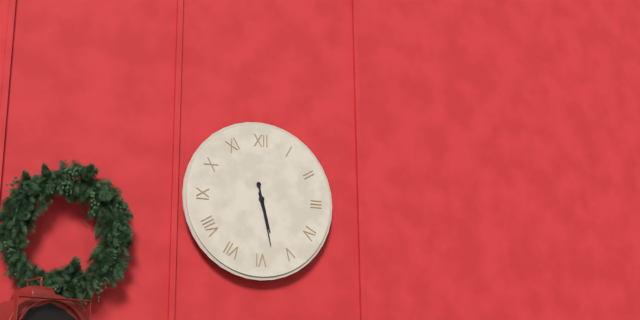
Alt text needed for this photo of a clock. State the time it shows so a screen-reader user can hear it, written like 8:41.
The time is 5:28
